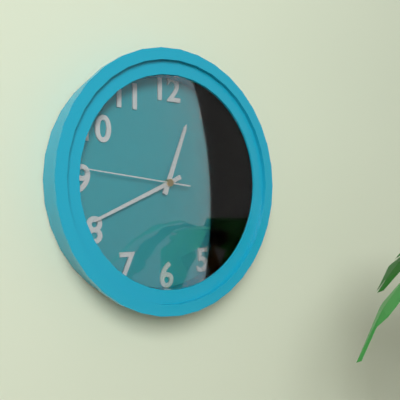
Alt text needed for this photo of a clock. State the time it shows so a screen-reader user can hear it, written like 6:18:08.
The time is 12:41:46
